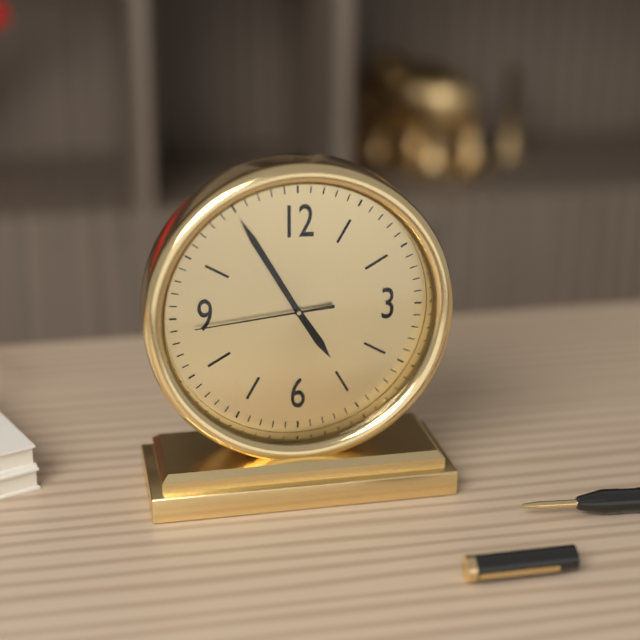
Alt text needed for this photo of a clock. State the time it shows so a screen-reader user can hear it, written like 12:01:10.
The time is 4:55:44
